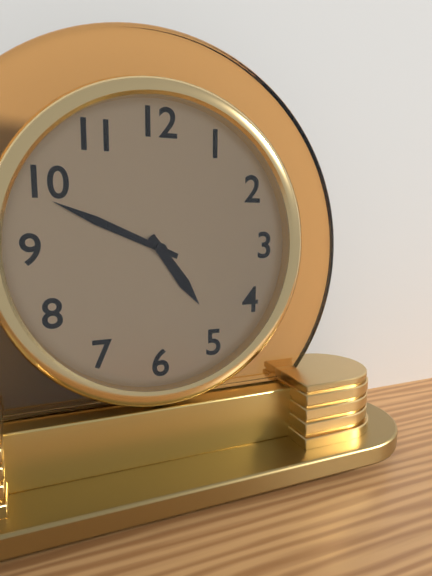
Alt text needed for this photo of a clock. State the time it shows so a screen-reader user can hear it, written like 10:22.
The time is 4:49
